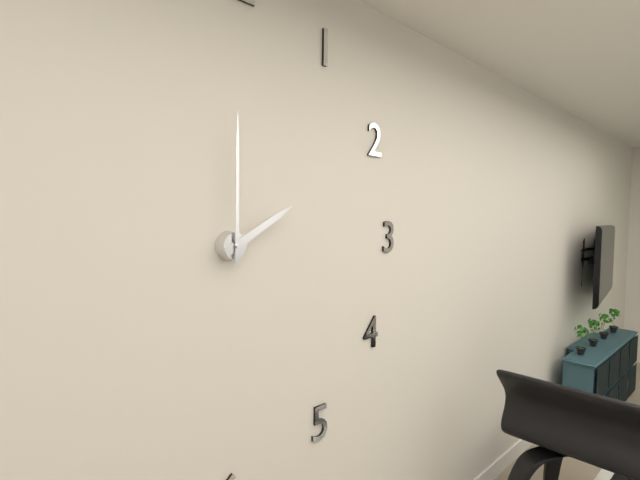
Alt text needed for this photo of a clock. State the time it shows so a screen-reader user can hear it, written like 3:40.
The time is 2:00
